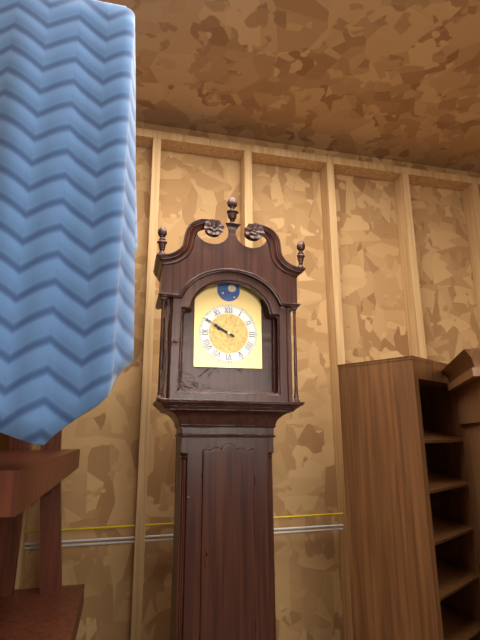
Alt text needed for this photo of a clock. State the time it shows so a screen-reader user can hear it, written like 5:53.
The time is 9:50
